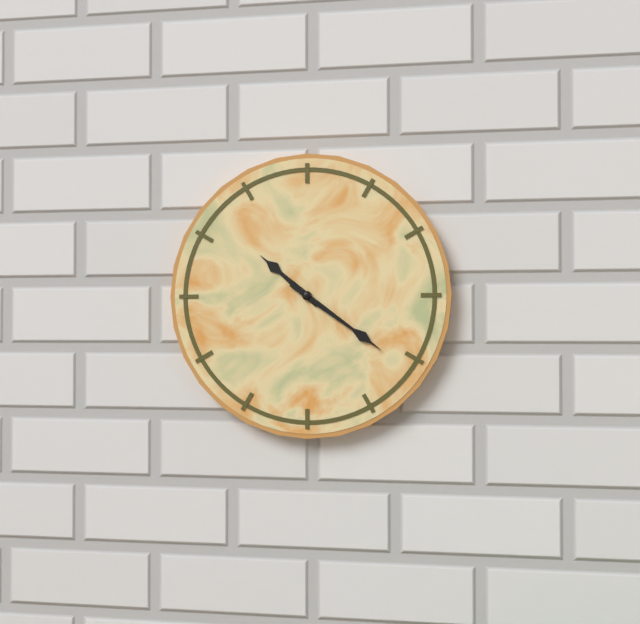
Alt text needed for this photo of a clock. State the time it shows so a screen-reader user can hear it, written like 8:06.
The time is 10:21
